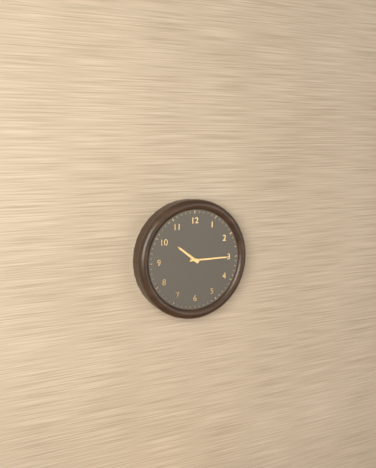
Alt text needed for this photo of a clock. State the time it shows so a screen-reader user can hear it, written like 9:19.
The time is 10:15
